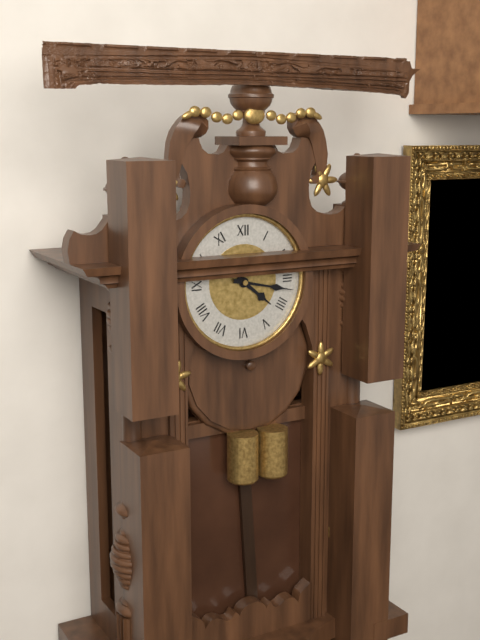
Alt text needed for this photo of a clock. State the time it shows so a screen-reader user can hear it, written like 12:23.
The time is 4:17
